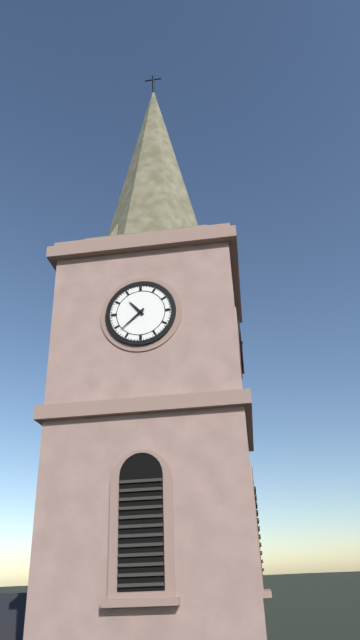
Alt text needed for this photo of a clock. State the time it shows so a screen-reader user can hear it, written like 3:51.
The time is 10:38
